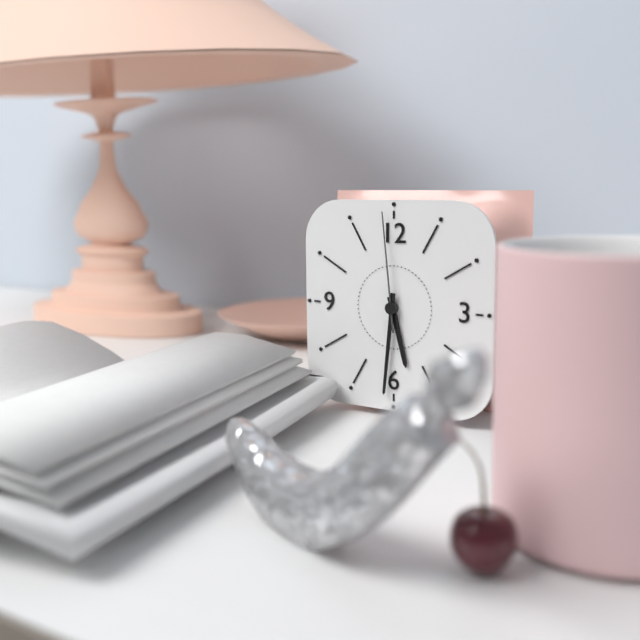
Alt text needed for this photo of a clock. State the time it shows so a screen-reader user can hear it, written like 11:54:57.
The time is 5:31:59
